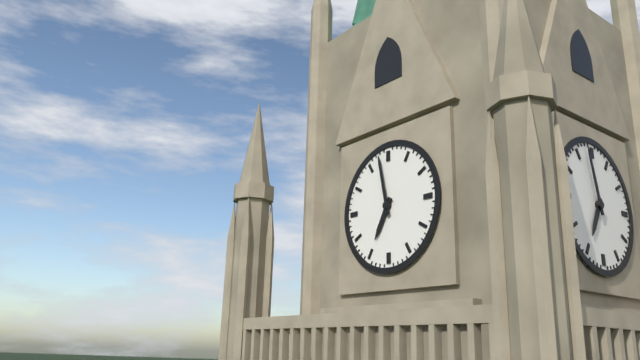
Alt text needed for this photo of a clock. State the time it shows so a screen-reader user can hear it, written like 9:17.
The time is 6:58
